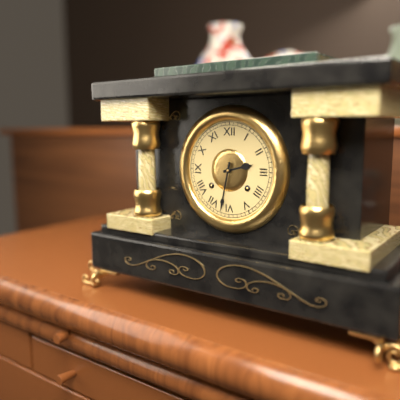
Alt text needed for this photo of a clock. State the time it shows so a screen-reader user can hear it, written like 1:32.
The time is 2:32
